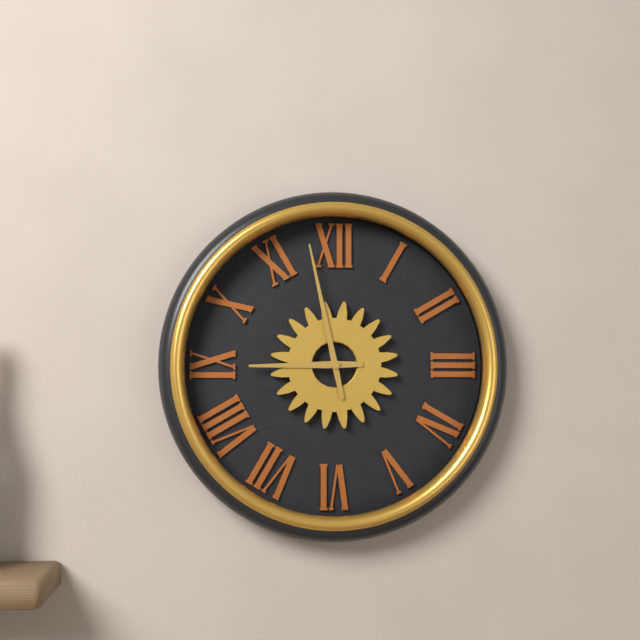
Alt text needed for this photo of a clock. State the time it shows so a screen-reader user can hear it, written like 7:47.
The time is 8:58
